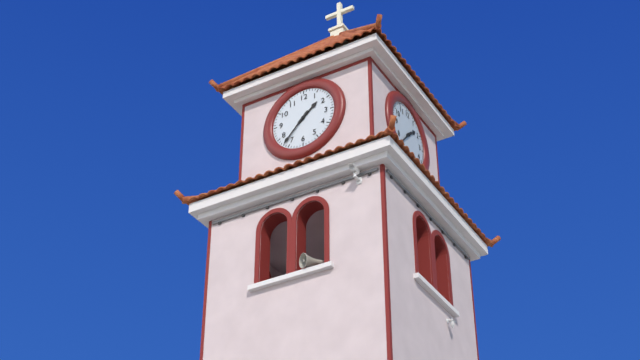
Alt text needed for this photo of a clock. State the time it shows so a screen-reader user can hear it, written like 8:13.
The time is 1:37
